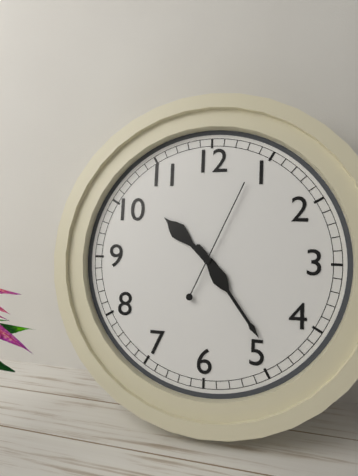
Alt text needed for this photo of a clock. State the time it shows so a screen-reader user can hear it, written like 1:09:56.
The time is 10:24:04
